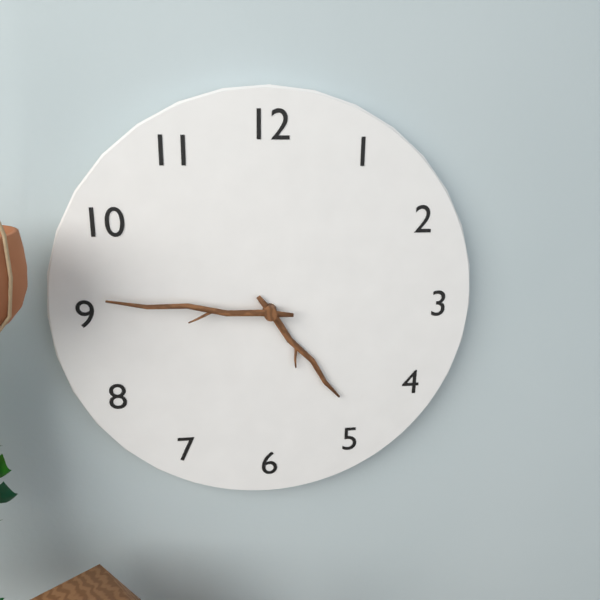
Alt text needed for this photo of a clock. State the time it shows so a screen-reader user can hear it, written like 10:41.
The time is 4:46
